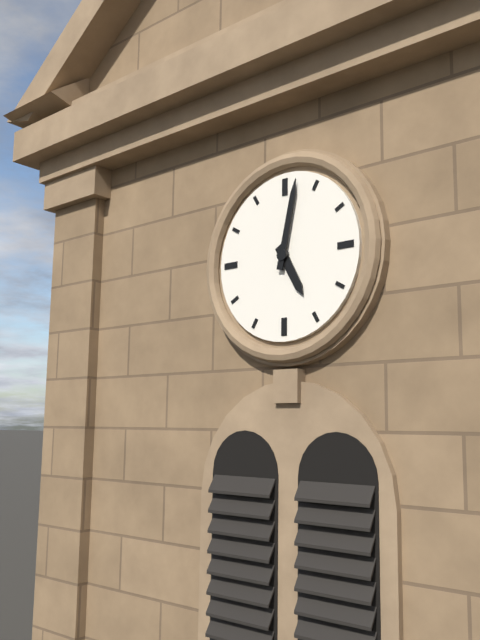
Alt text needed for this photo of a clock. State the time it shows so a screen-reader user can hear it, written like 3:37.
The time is 5:02
